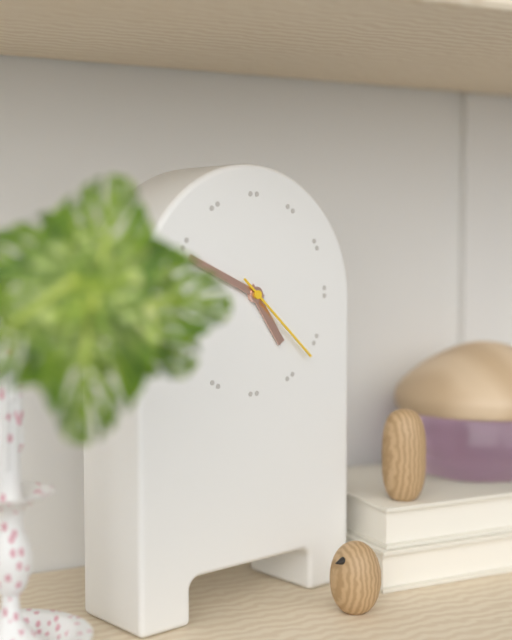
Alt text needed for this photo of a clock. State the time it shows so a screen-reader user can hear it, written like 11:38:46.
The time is 4:49:22
